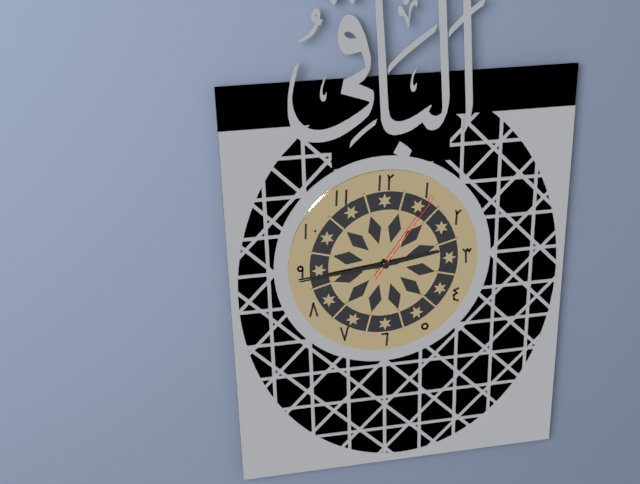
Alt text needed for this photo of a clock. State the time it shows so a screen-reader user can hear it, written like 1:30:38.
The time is 2:44:06
